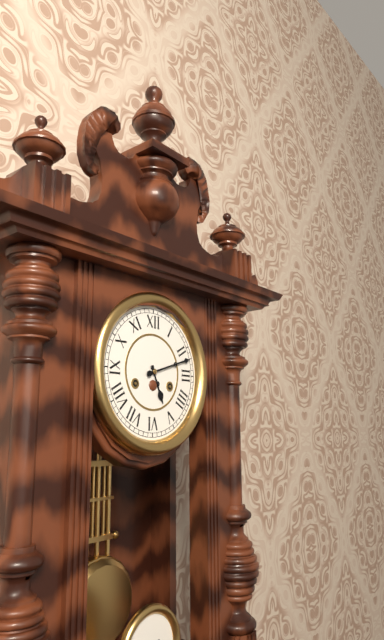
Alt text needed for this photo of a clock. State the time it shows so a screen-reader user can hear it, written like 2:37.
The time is 5:12
